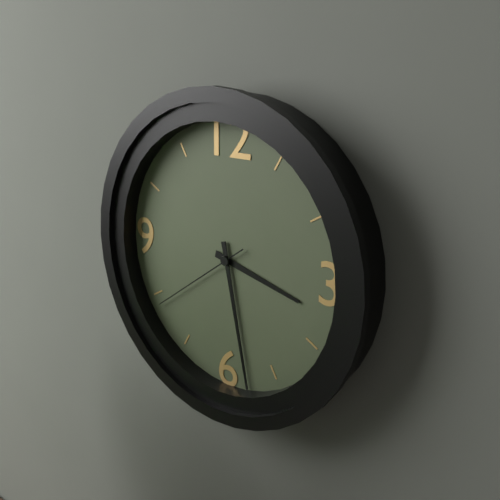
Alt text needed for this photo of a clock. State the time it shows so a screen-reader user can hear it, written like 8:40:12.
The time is 3:28:39
